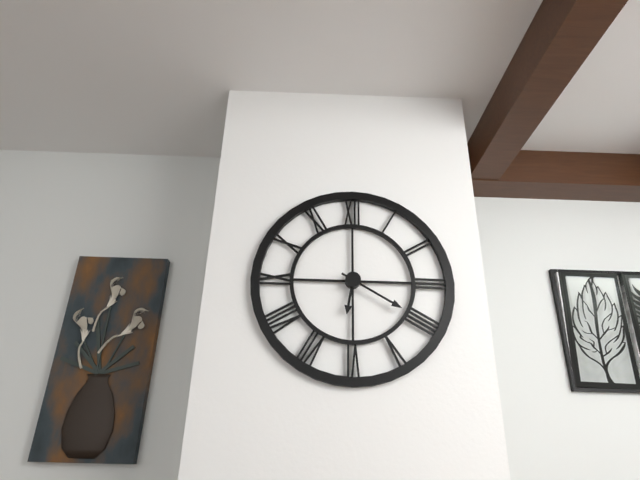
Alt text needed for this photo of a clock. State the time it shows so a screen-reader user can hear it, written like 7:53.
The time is 6:20
